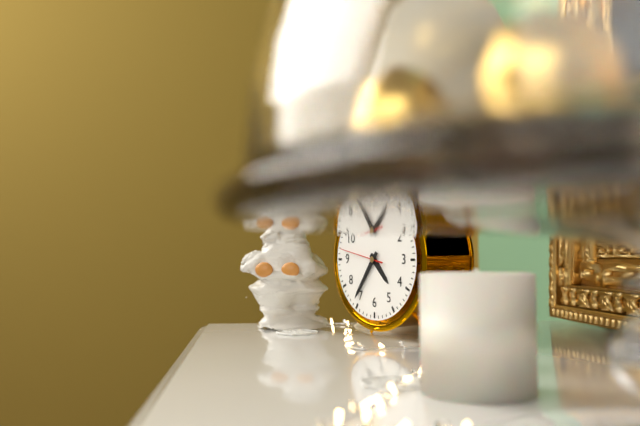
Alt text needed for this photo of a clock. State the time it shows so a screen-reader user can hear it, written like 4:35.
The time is 4:36
